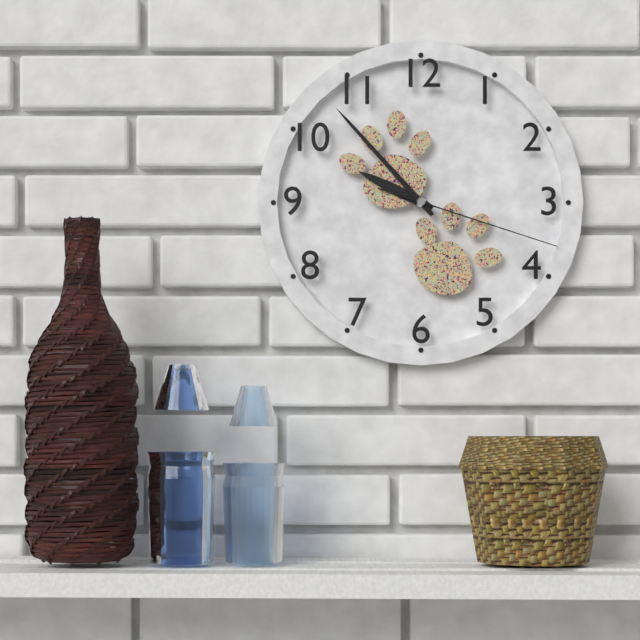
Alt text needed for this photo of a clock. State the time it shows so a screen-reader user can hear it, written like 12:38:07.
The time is 9:53:18
